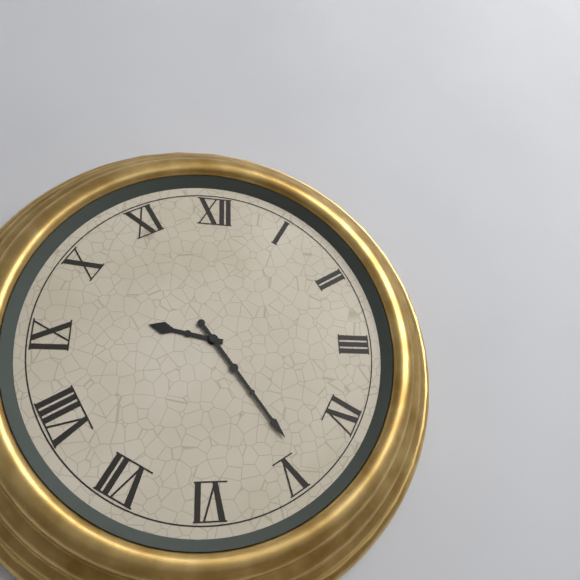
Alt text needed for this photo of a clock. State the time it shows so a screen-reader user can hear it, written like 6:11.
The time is 9:24
